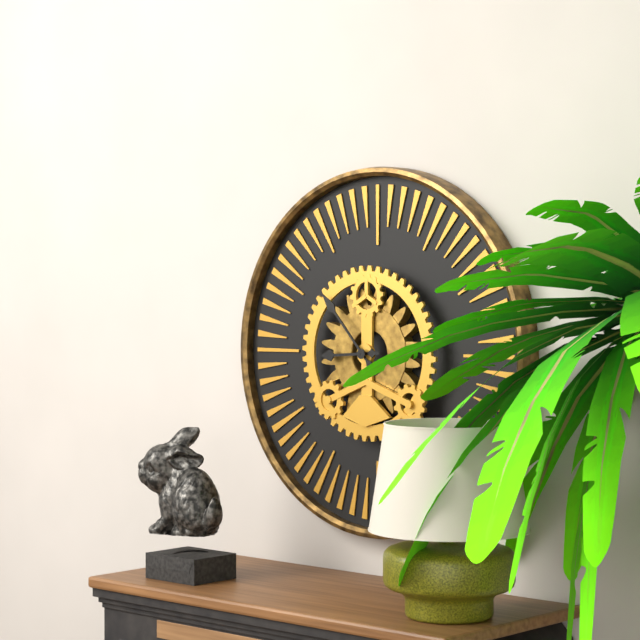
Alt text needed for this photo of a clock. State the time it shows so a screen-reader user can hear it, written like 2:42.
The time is 8:53
